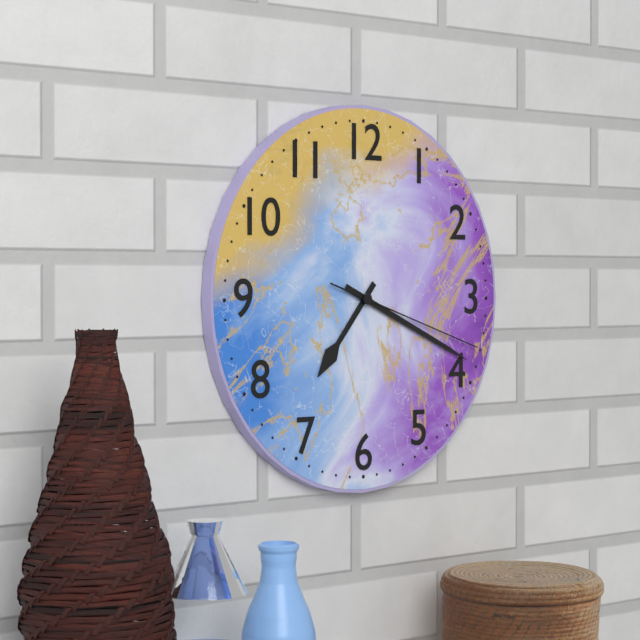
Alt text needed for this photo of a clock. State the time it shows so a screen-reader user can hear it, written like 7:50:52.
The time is 7:19:18
